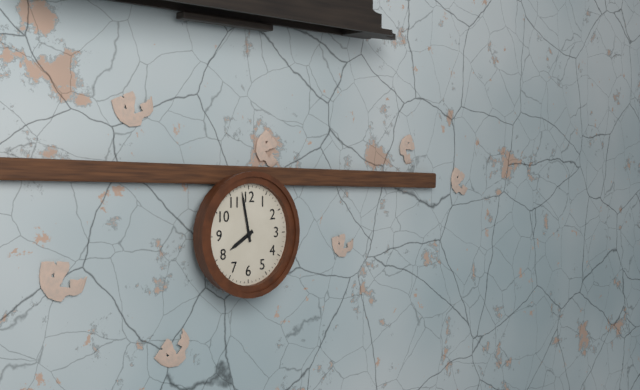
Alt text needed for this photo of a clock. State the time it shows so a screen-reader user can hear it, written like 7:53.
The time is 7:58
